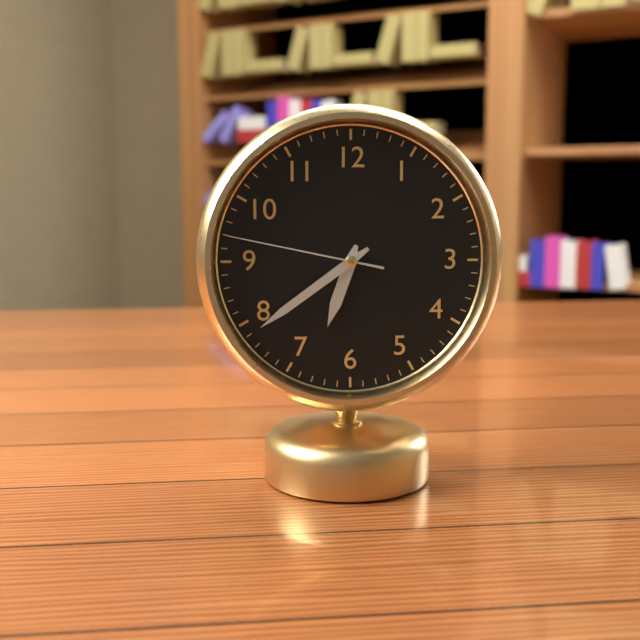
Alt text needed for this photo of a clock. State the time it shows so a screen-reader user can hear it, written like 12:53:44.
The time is 6:39:47
